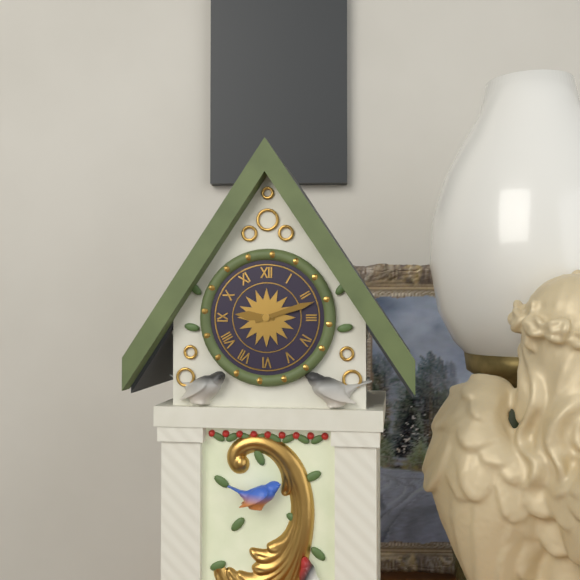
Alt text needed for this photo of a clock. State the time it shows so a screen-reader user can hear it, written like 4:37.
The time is 9:12
